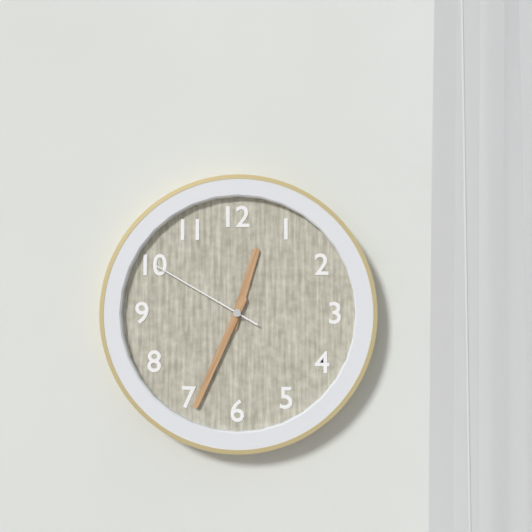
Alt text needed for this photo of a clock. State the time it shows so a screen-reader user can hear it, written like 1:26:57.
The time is 12:34:50
